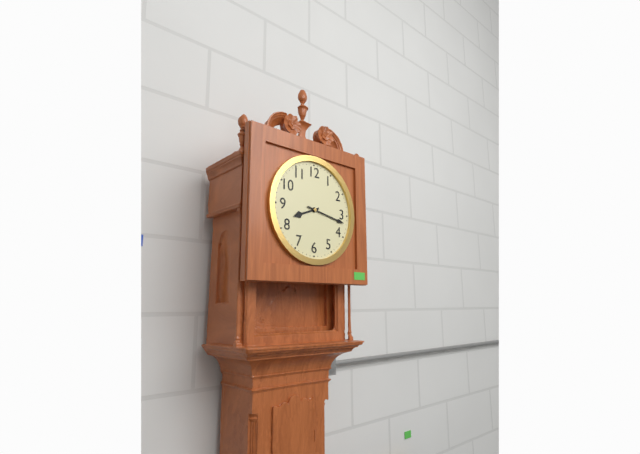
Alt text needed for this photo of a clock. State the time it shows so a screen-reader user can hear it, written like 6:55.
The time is 8:17
